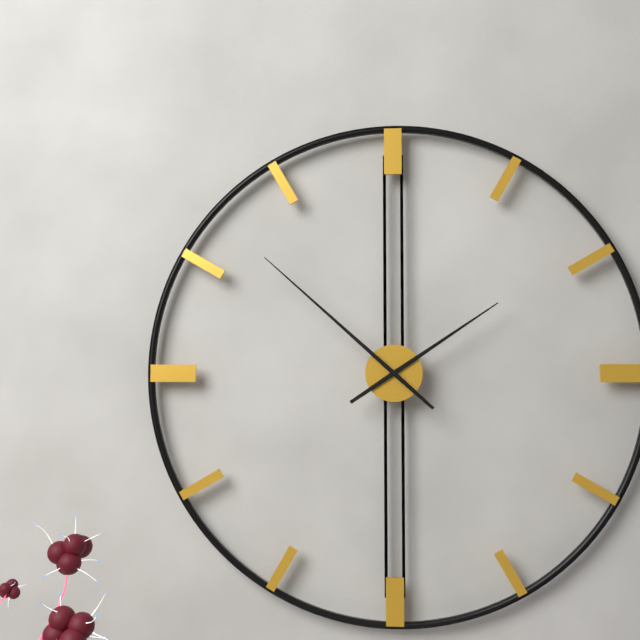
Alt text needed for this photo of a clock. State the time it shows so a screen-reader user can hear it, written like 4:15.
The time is 1:52
